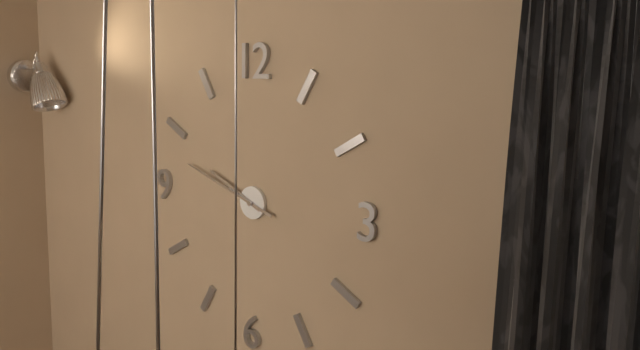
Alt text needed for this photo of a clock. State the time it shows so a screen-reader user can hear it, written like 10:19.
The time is 9:48
